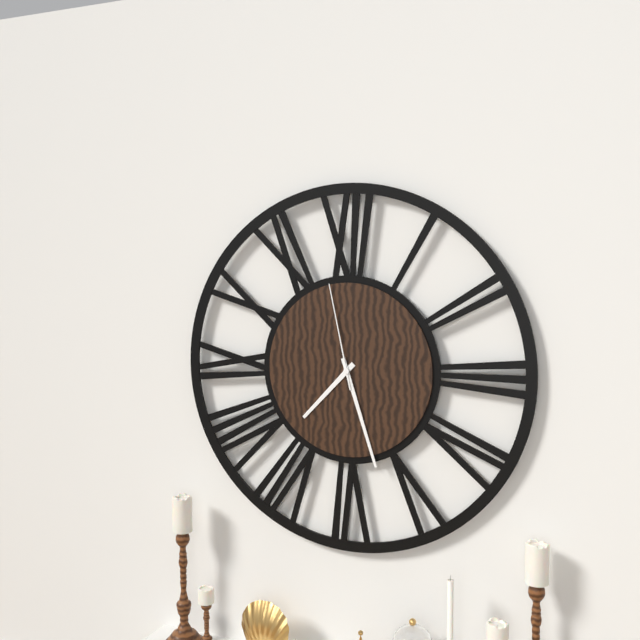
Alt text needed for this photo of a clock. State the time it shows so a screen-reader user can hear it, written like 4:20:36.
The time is 7:27:58
